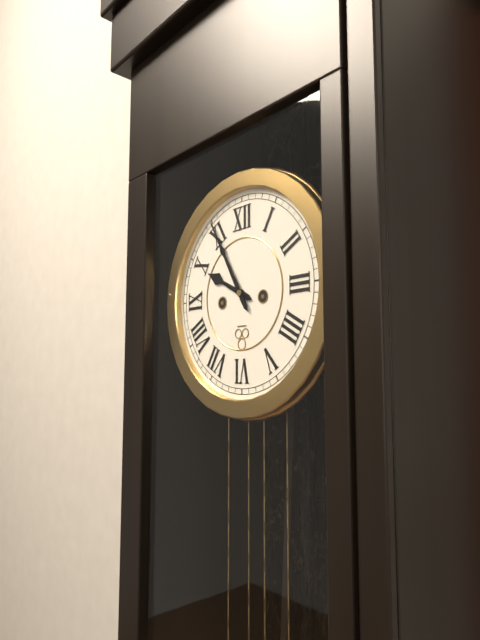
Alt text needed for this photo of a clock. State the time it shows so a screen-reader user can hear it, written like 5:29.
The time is 9:55
